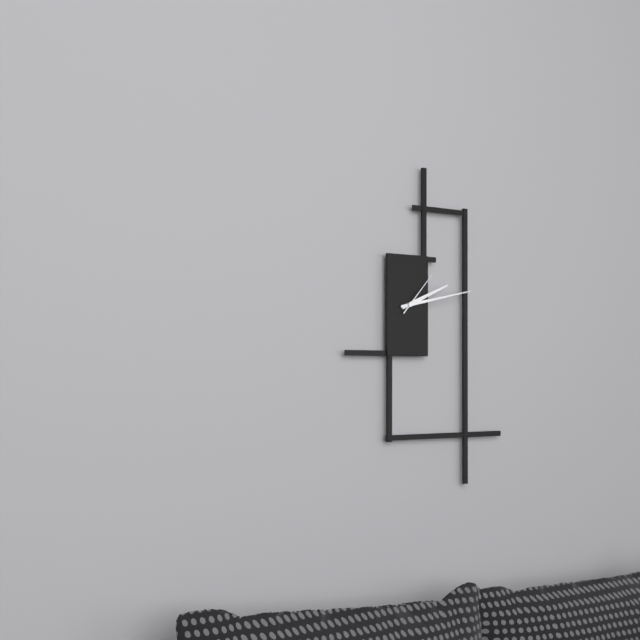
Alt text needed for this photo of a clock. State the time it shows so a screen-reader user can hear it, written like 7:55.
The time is 2:13
